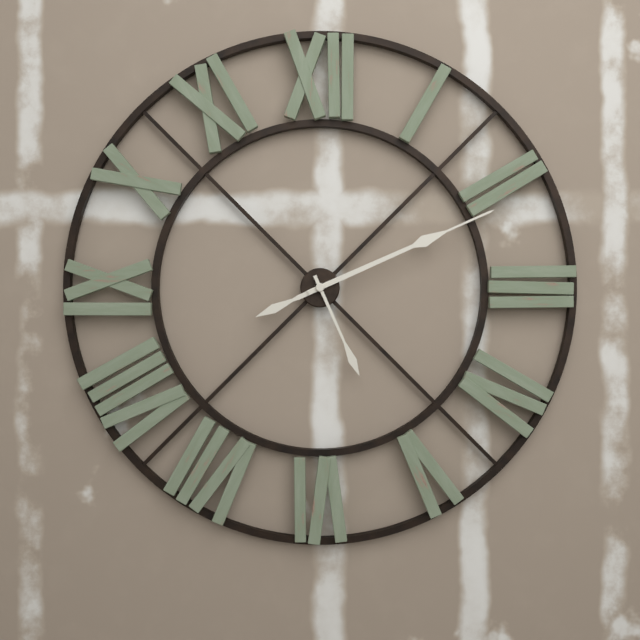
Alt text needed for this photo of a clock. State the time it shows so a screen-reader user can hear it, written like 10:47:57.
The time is 8:11:26
